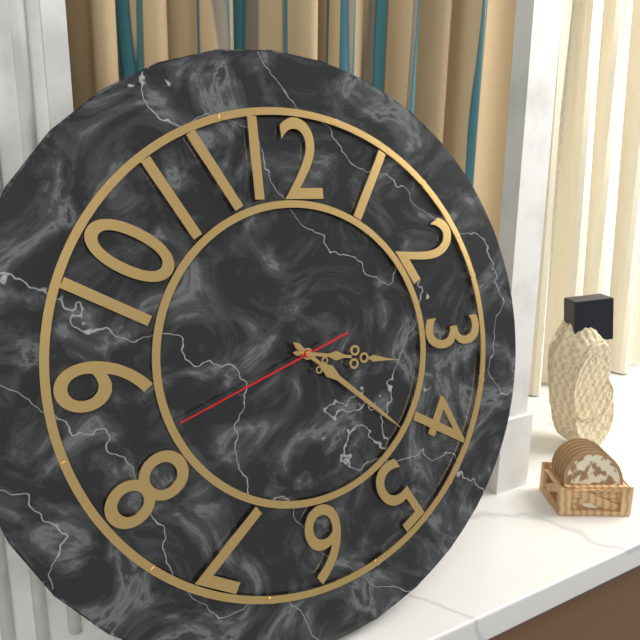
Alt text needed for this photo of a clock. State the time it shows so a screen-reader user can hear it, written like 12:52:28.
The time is 3:22:42
